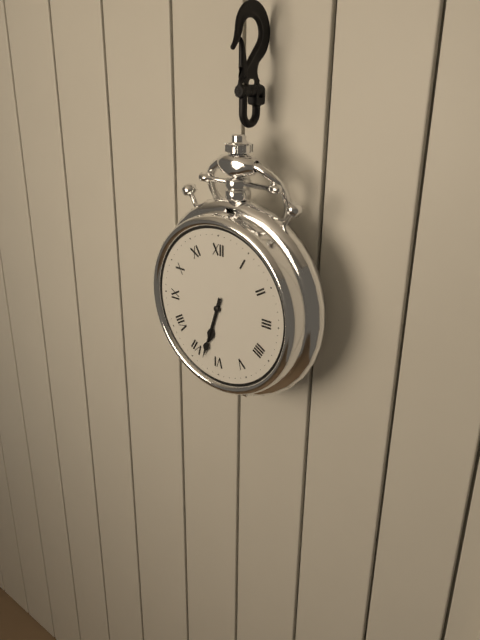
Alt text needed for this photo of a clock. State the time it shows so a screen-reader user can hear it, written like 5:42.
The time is 6:33
